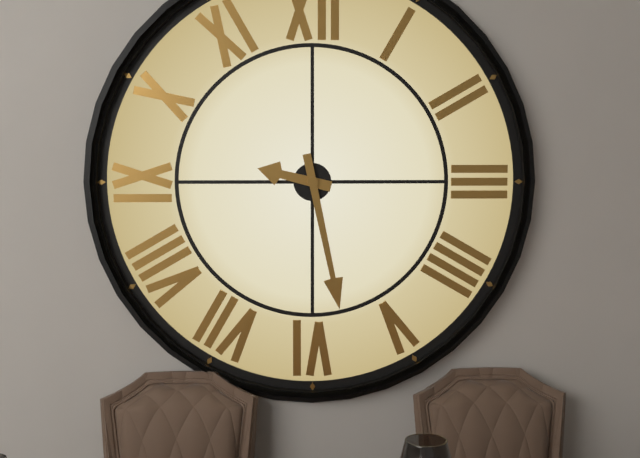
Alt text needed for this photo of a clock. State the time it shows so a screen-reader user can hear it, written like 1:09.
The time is 9:28
